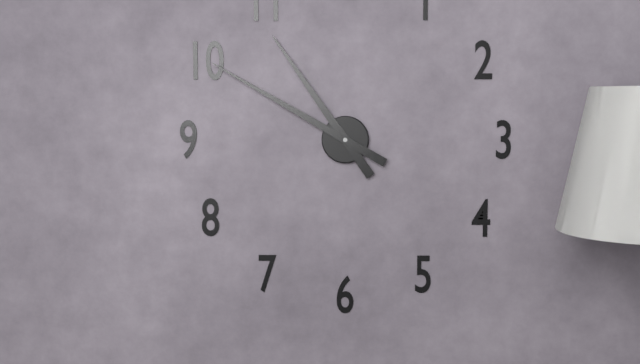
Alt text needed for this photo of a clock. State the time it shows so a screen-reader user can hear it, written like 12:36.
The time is 10:50
